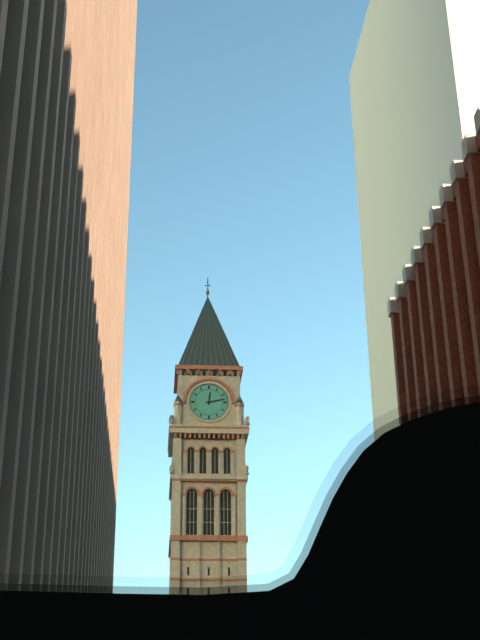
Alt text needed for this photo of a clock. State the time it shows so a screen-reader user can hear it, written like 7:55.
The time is 12:13
